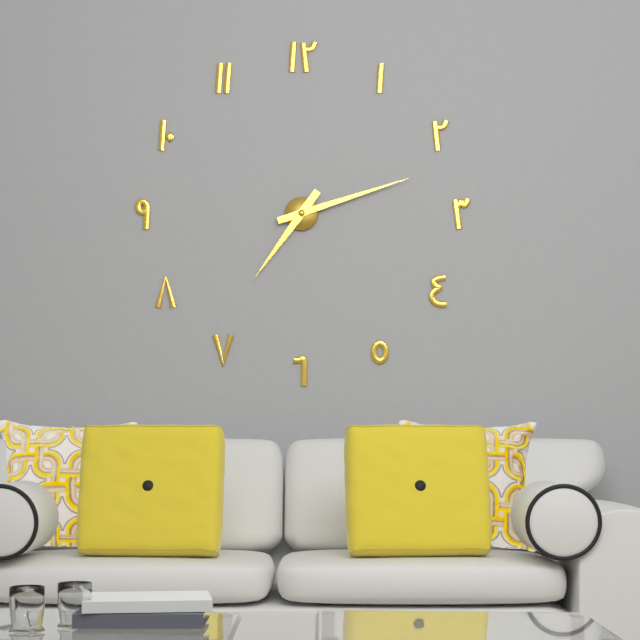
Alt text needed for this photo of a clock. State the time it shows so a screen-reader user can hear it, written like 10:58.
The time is 7:12
